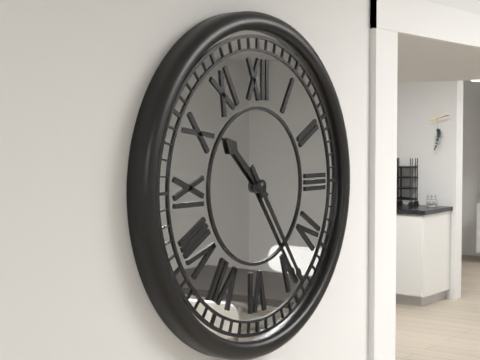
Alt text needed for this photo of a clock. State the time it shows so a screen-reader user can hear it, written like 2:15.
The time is 10:24
